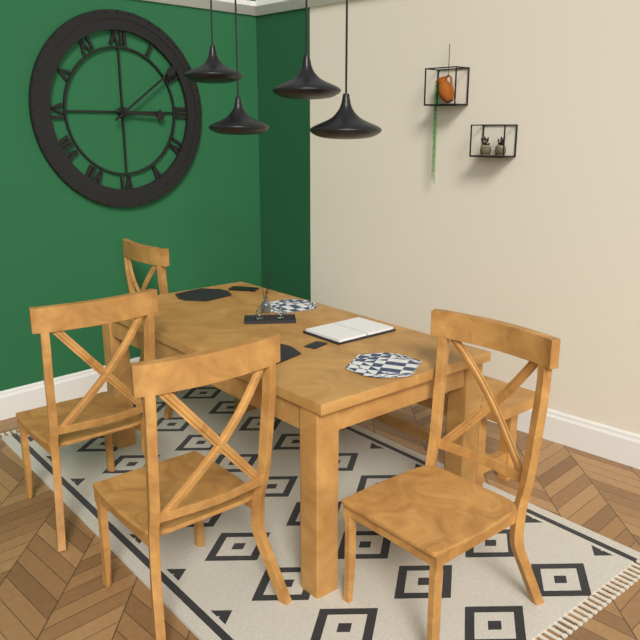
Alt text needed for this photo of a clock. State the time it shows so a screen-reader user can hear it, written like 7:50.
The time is 3:09
